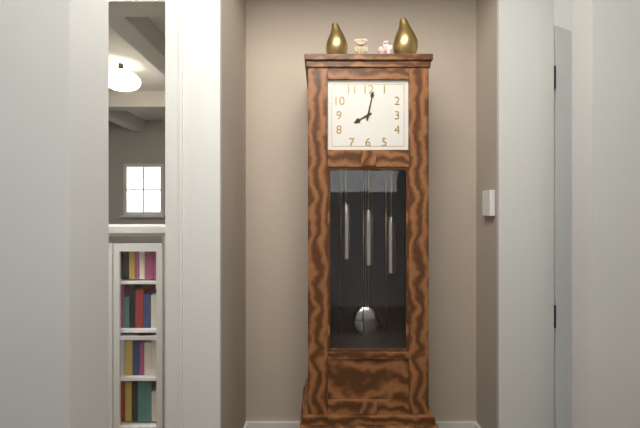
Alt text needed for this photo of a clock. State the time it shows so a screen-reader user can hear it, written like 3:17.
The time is 8:02
